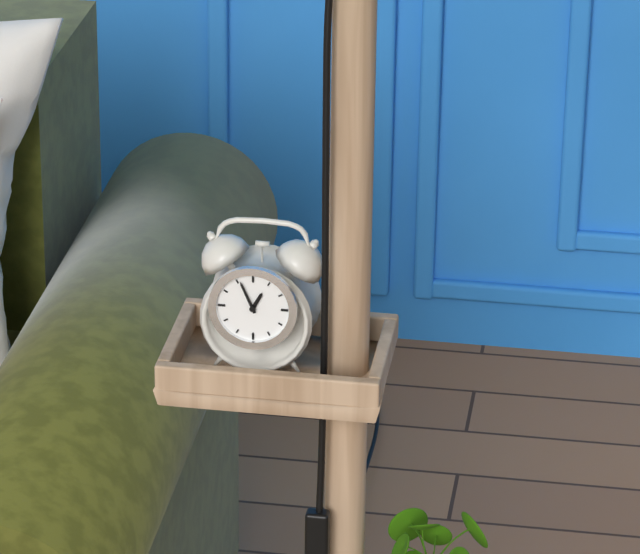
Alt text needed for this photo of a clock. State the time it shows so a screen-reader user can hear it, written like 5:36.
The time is 12:56
